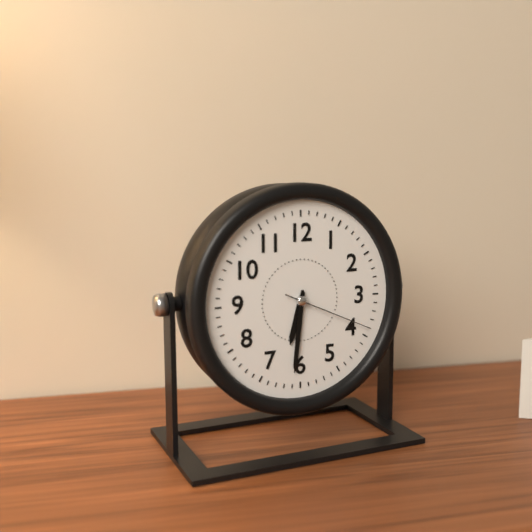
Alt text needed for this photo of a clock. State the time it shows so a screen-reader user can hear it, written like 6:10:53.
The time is 6:31:19
